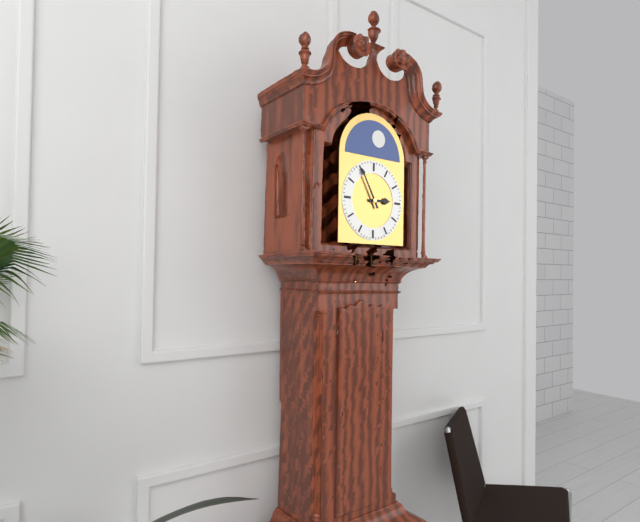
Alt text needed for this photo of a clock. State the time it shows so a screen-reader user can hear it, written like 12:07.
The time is 2:55
